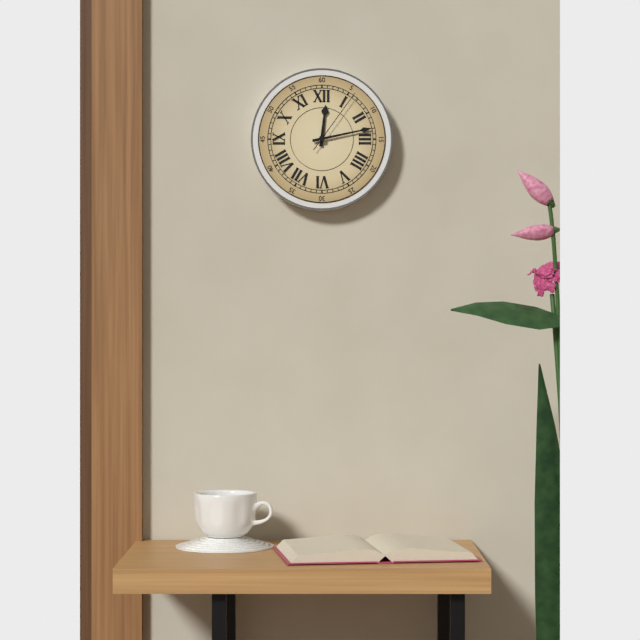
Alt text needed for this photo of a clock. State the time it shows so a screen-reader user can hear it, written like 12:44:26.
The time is 12:13:06
